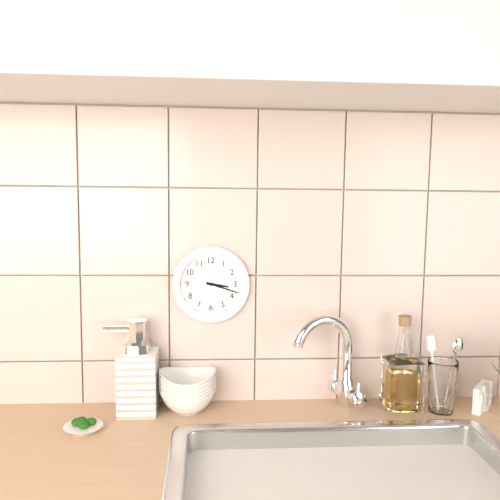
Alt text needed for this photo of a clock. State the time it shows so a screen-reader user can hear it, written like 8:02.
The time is 3:18
